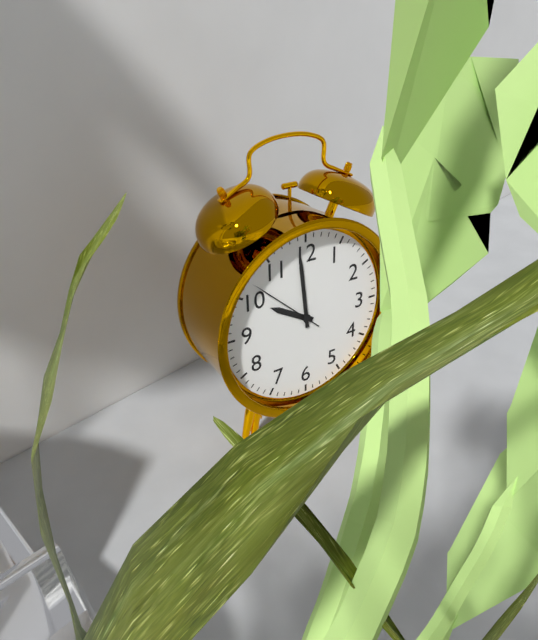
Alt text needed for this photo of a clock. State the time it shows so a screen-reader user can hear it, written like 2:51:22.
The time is 9:59:52
